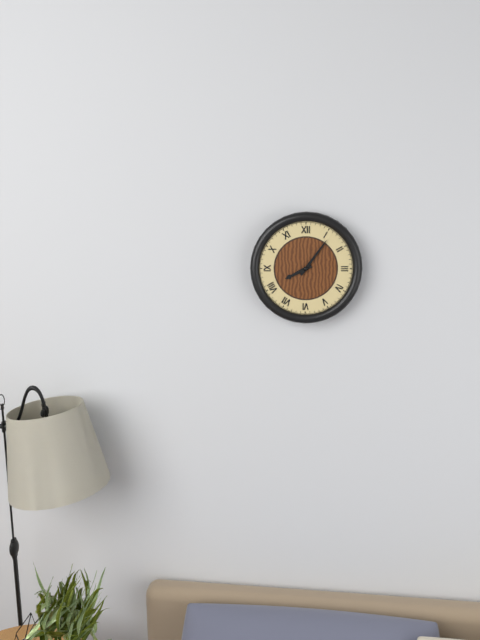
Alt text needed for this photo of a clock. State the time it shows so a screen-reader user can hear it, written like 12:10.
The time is 8:06
